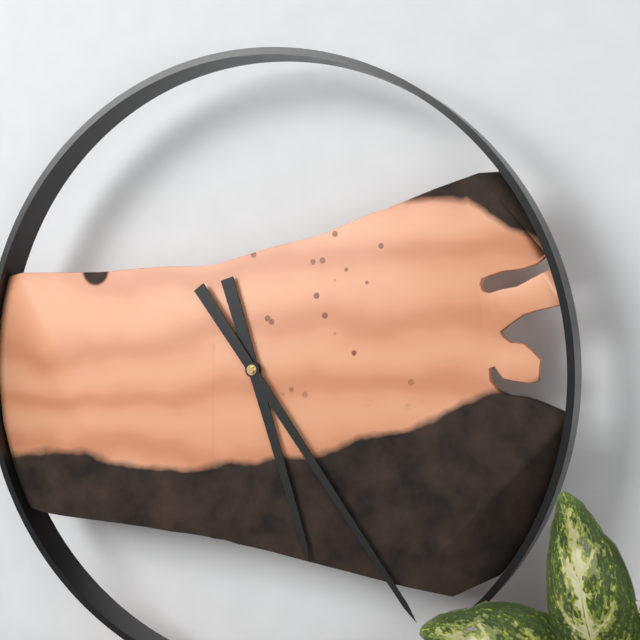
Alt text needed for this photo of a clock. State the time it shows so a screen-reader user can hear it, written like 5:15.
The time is 5:24
